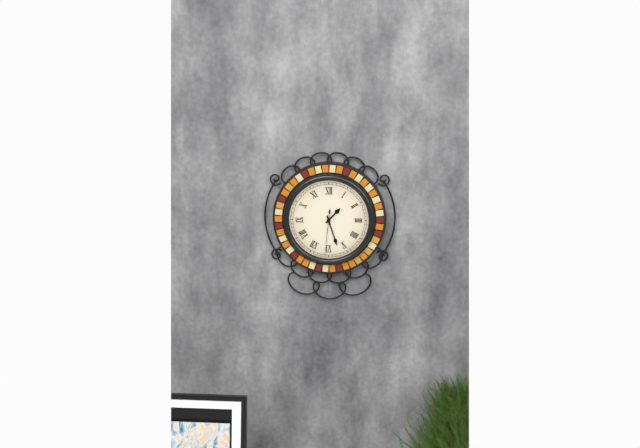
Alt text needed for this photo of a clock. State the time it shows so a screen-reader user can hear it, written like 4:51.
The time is 1:27
